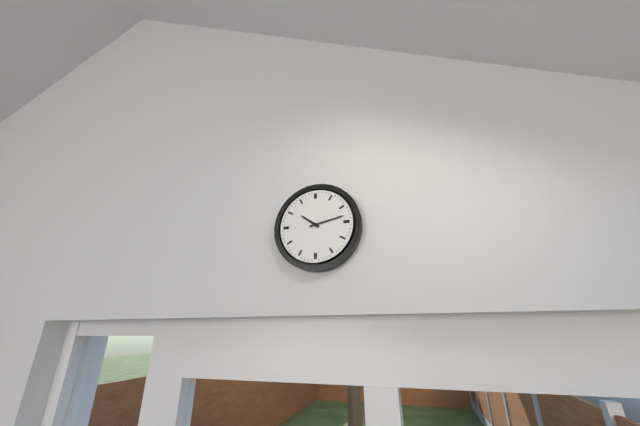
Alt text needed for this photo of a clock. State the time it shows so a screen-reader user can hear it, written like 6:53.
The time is 10:13
